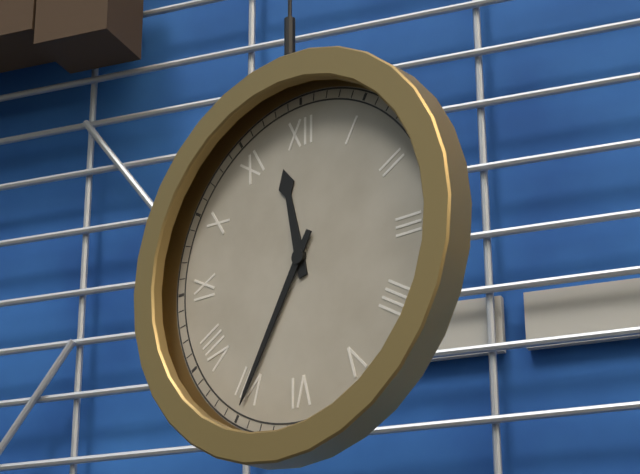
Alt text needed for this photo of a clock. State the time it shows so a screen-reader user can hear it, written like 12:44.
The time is 11:35
